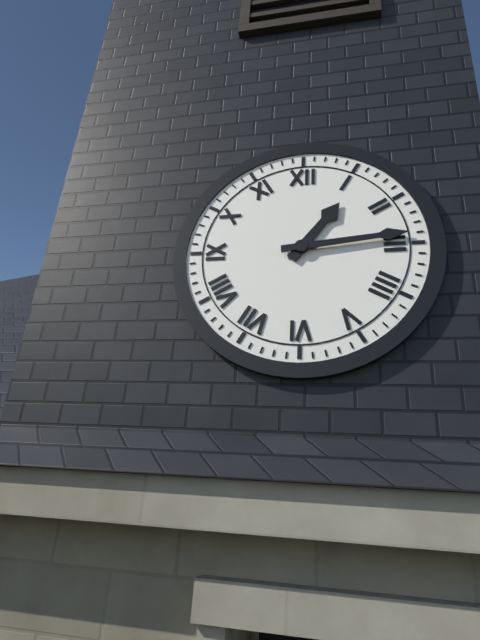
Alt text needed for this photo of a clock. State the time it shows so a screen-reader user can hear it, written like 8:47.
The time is 1:14
